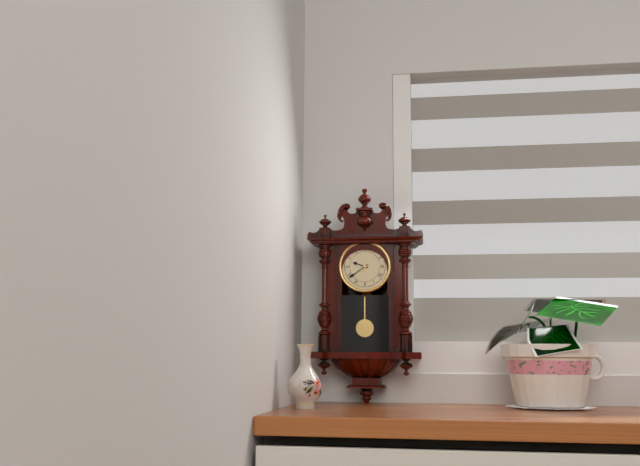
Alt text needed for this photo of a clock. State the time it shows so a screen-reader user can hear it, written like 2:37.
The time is 9:39
